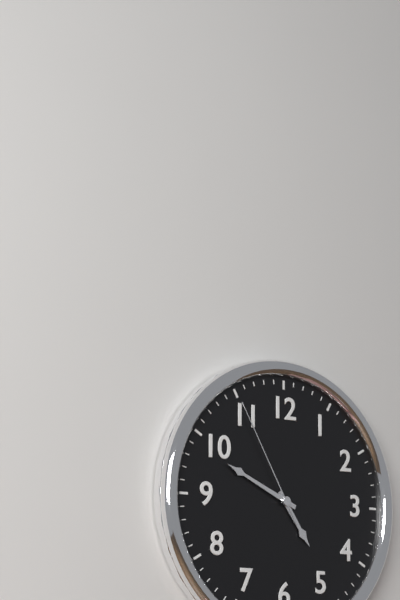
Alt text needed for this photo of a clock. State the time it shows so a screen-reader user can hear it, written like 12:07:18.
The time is 4:49:55
